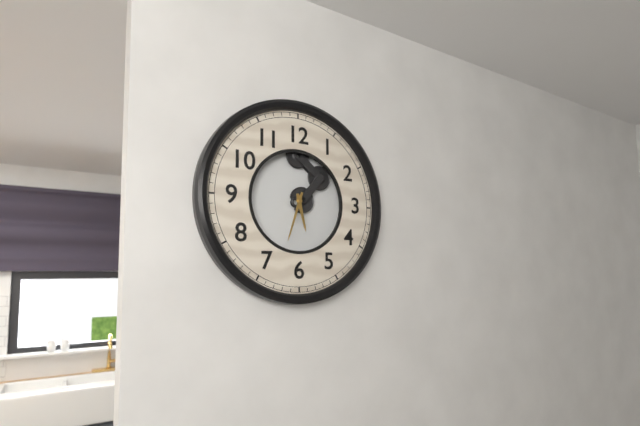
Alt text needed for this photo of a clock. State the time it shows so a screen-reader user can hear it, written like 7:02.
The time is 5:33
